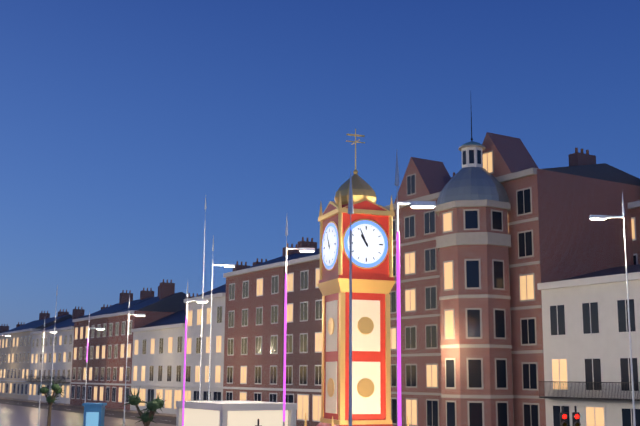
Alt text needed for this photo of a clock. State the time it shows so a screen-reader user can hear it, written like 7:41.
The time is 10:56
